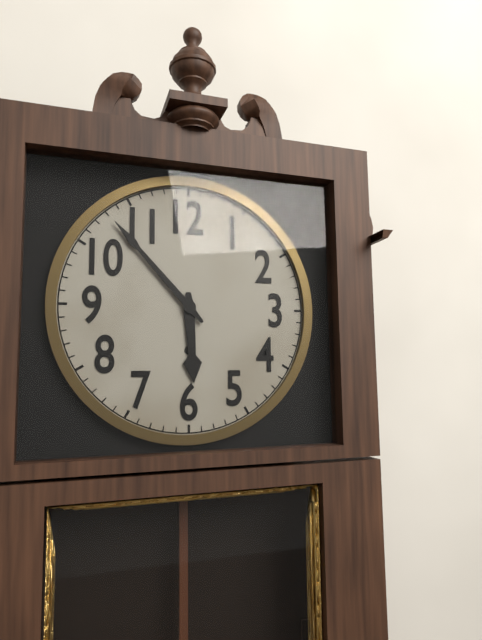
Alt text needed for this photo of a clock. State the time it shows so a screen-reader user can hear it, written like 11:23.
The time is 5:53
